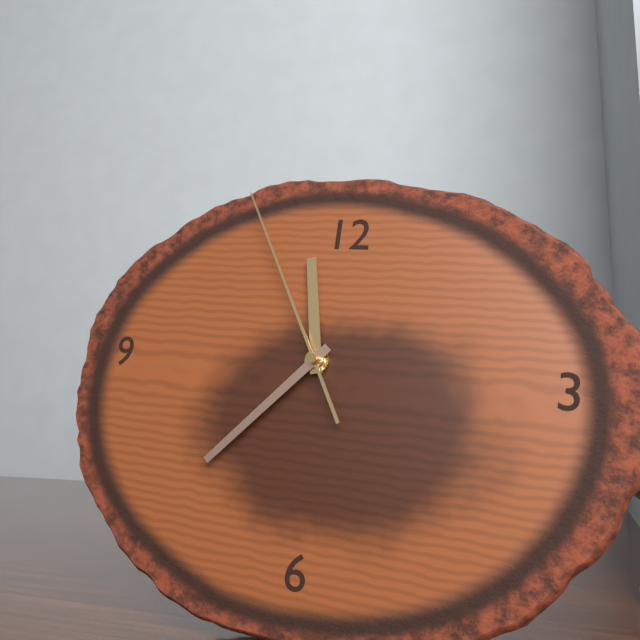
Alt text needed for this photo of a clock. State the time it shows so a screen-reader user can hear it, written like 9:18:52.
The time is 11:37:55
